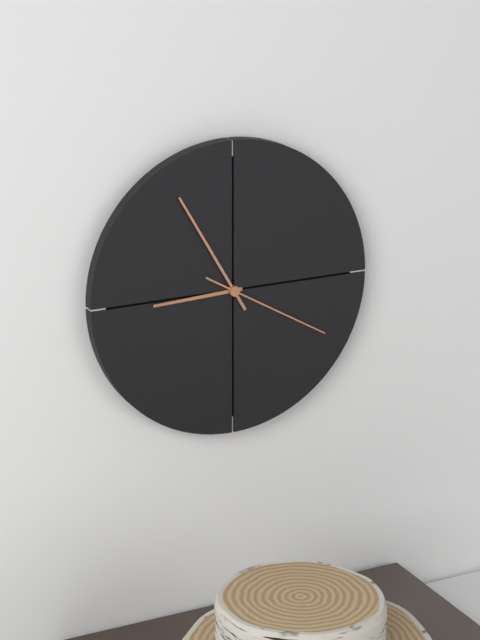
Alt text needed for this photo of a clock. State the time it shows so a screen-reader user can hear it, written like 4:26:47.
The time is 8:55:20
